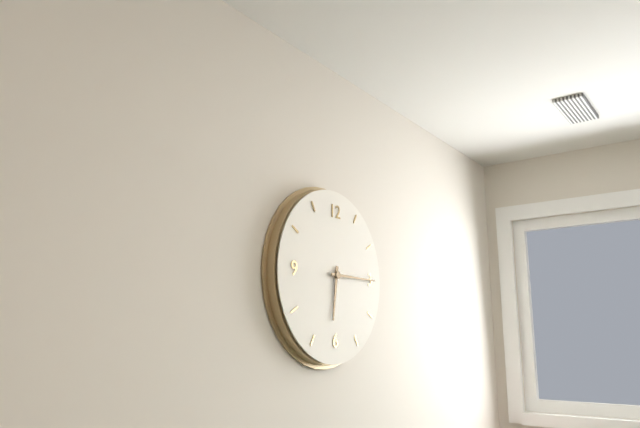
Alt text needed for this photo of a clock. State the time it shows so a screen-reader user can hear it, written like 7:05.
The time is 6:15
